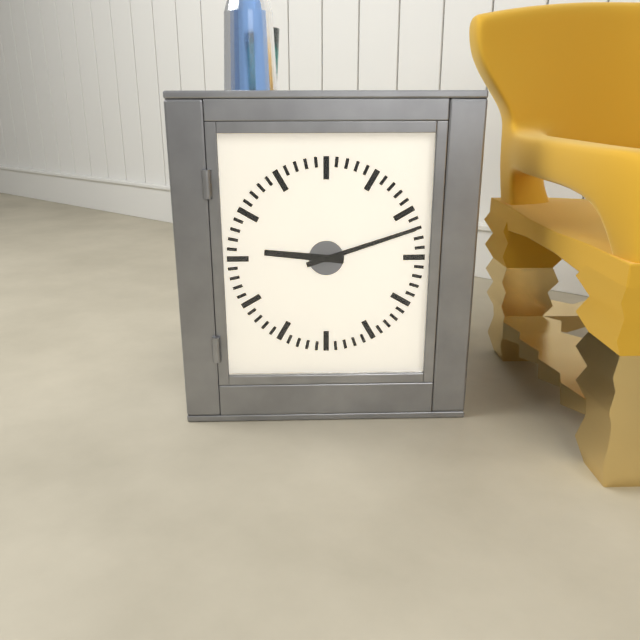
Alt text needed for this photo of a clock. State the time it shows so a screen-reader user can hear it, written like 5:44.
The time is 9:12
